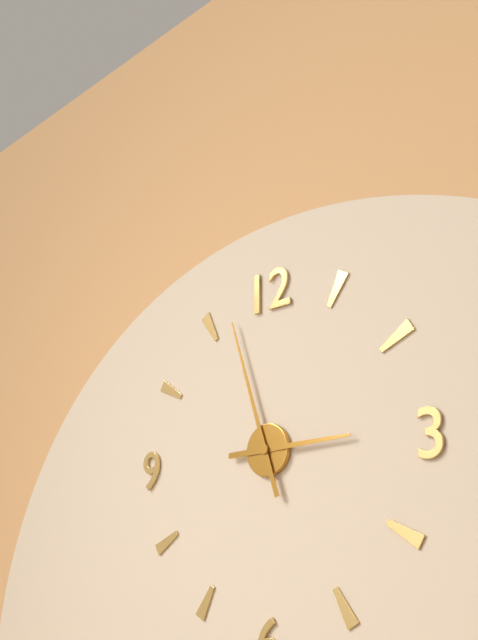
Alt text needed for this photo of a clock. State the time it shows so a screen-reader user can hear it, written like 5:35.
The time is 2:57
